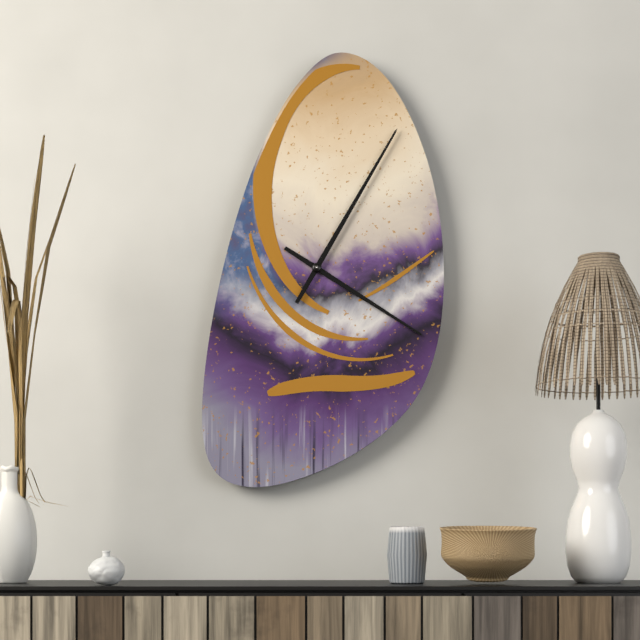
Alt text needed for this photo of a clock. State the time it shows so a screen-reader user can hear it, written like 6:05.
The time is 4:05
